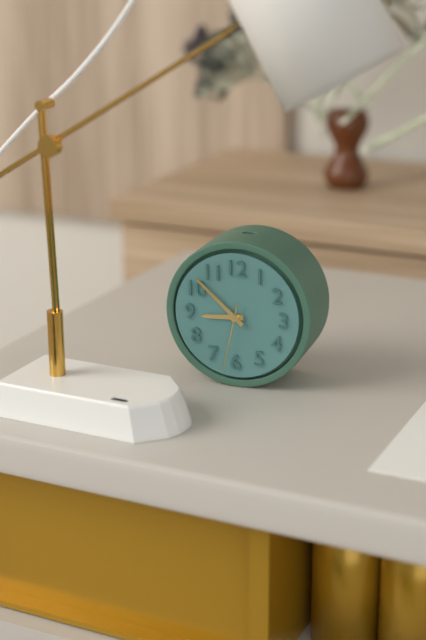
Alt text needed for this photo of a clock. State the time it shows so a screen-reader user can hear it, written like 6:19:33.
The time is 8:52:32
